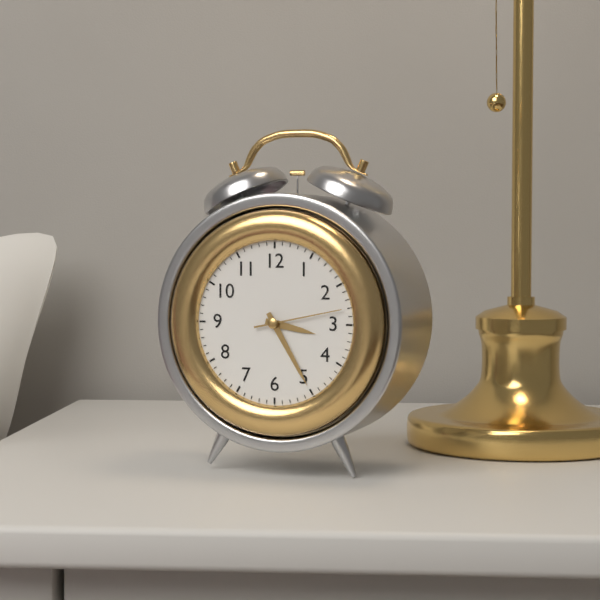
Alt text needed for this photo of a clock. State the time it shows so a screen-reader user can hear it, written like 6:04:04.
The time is 3:25:13
